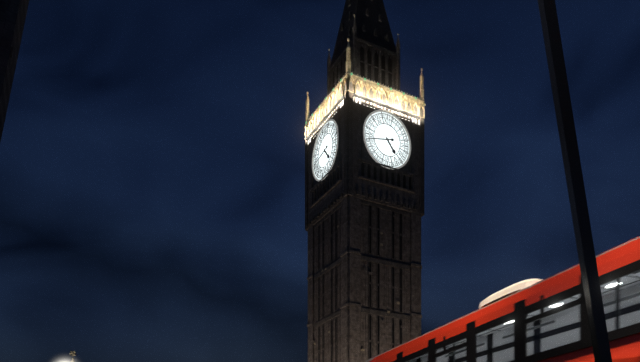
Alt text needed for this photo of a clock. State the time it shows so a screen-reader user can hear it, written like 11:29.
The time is 4:43
